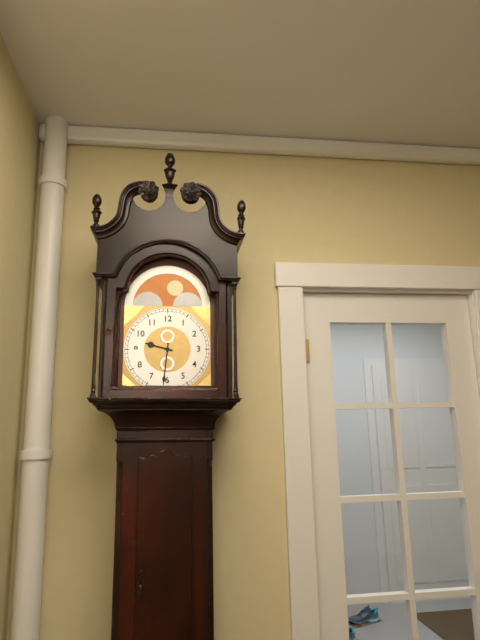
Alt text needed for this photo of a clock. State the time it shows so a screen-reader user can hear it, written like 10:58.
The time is 9:31
